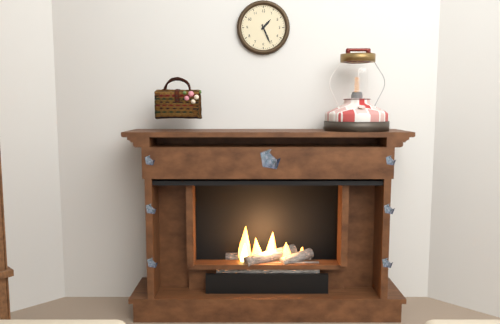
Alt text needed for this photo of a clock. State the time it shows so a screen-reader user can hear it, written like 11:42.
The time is 1:26
